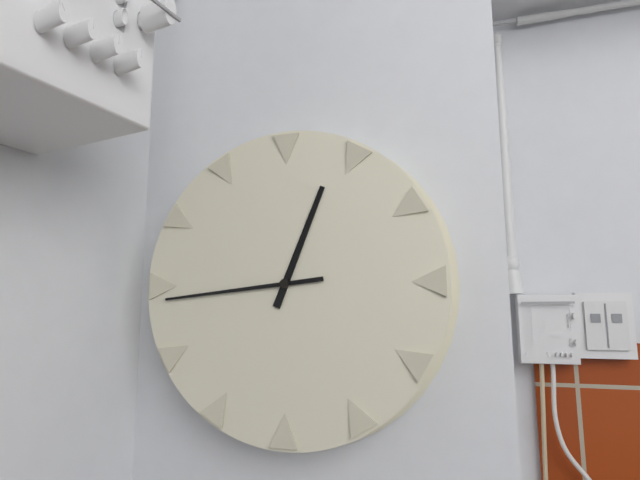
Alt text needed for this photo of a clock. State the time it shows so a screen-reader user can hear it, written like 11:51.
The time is 12:44
